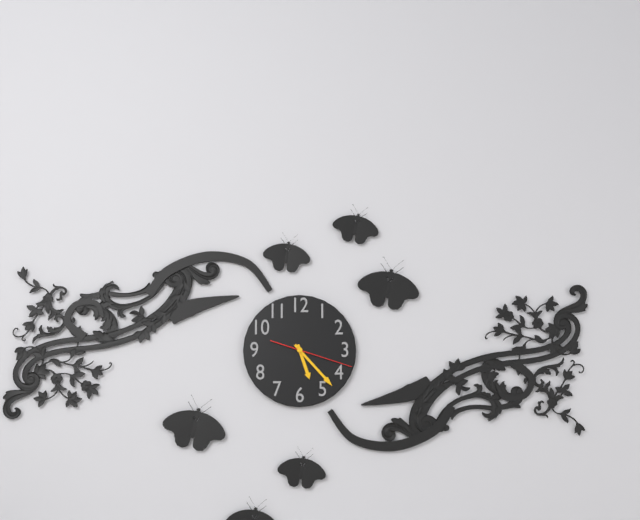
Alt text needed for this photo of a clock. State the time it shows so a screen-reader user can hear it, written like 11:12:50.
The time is 5:23:18
